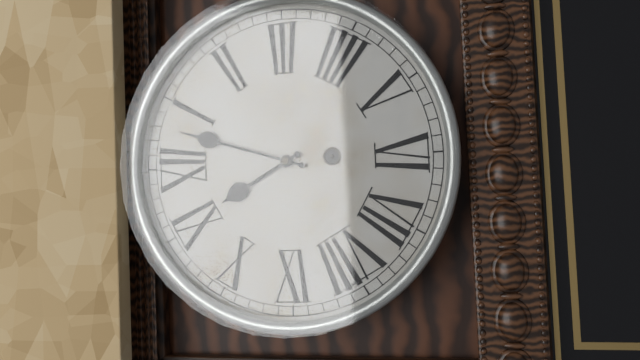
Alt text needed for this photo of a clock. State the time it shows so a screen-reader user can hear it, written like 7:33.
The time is 11:03
